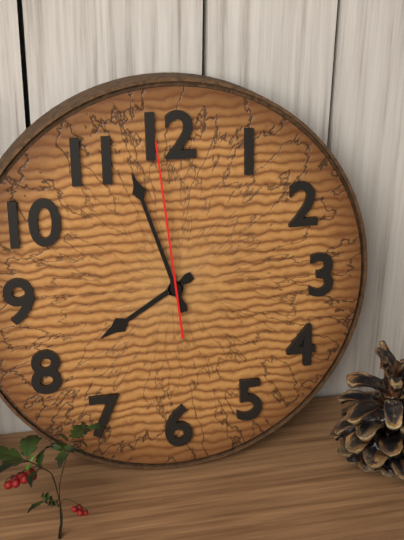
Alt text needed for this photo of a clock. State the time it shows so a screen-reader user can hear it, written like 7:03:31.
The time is 7:57:59
